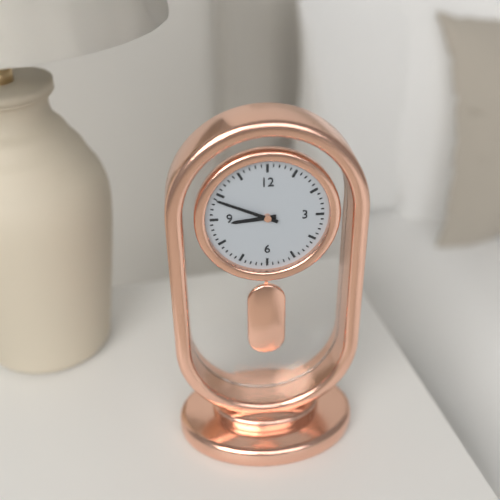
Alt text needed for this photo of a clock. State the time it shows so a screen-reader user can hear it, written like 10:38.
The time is 8:49
